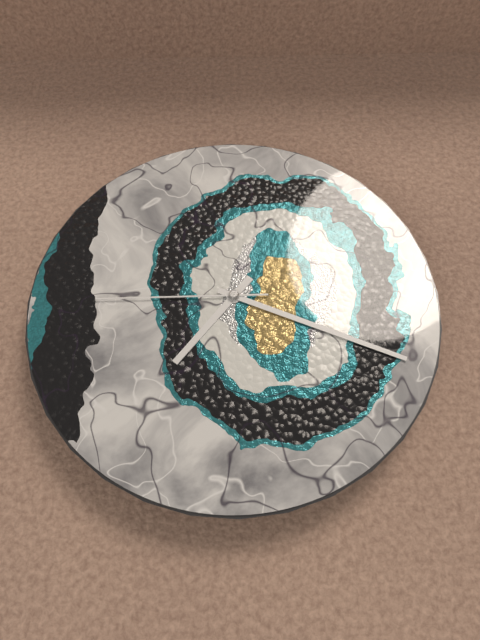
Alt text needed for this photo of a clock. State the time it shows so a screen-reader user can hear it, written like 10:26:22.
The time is 7:19:45
